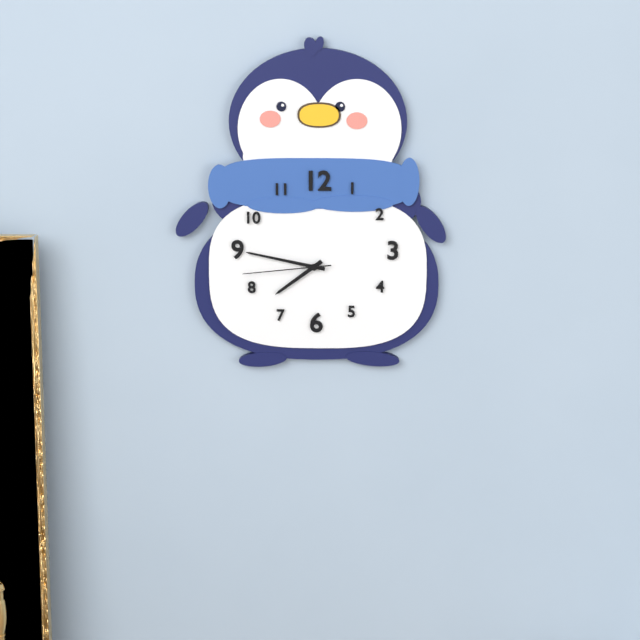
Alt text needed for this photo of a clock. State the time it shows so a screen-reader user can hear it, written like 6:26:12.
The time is 7:47:44
